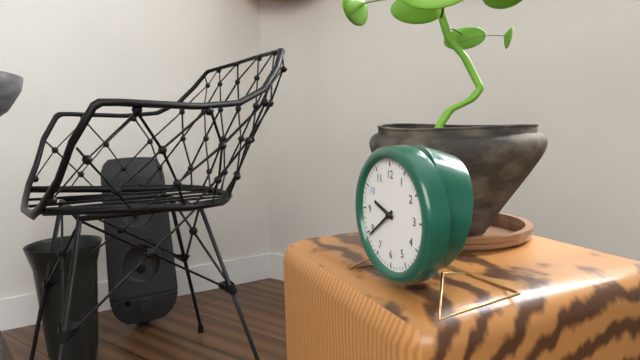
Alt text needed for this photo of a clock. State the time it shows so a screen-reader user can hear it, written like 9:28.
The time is 9:39
